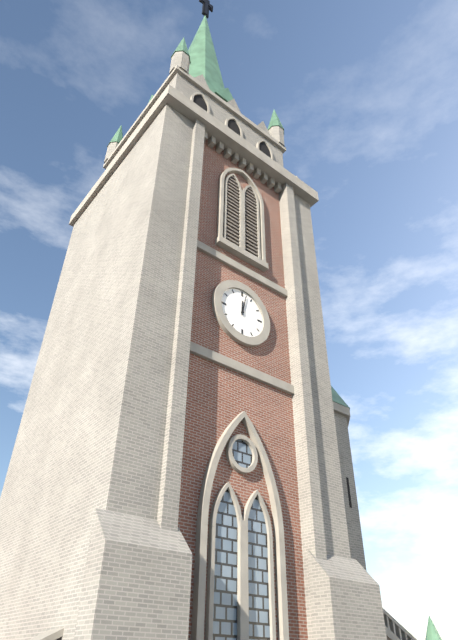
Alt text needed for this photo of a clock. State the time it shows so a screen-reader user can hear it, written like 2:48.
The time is 12:02
